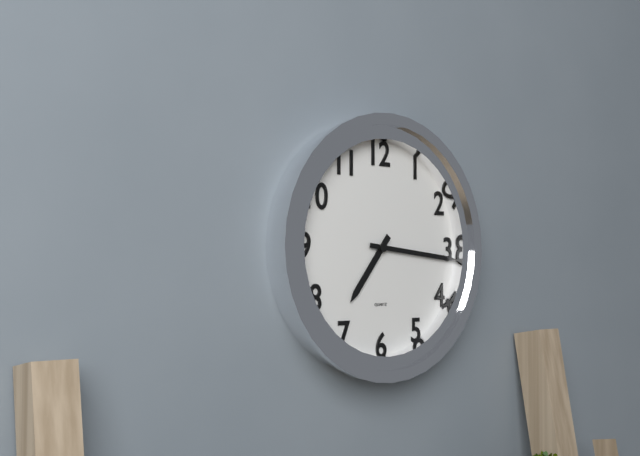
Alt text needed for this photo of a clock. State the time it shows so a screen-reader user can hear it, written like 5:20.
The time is 7:16
